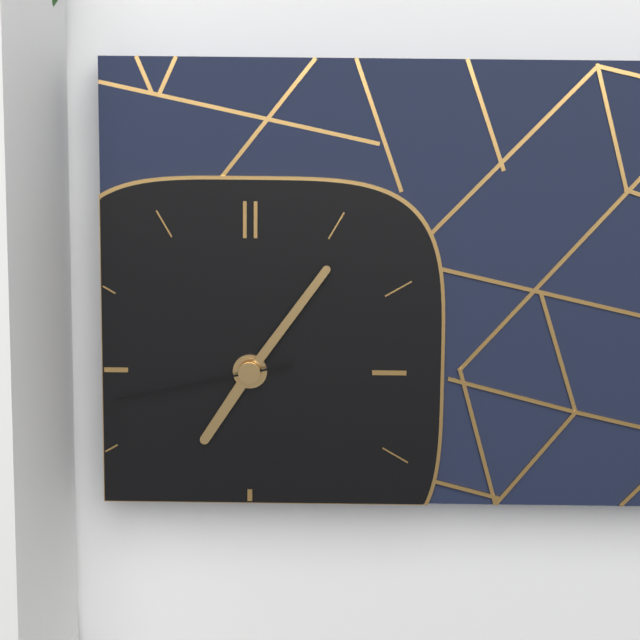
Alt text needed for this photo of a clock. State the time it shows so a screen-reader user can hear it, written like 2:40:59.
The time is 7:06:43
